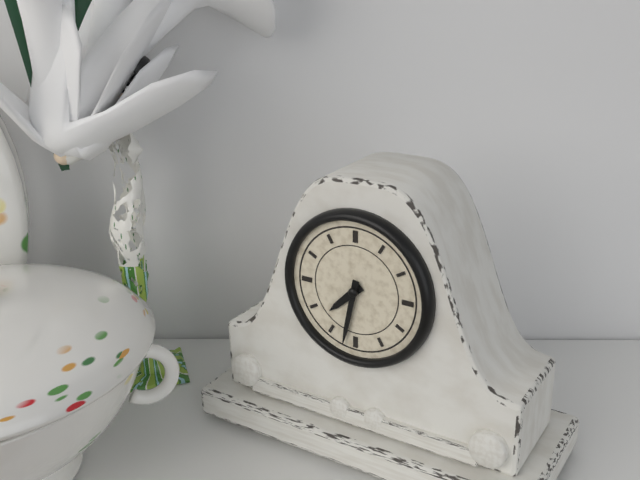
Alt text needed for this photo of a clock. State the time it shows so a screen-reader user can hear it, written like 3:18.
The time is 7:32
